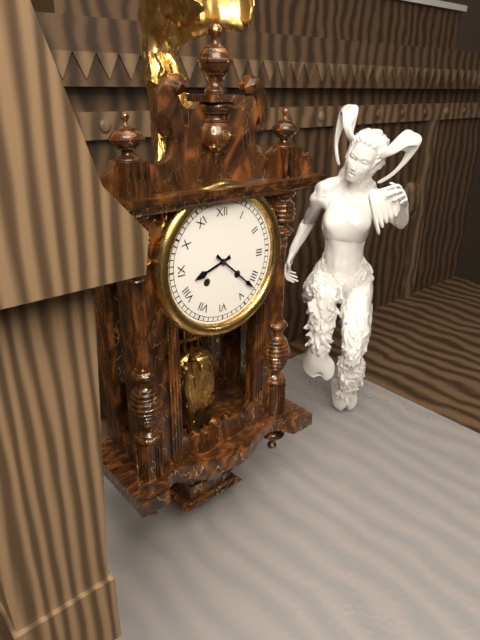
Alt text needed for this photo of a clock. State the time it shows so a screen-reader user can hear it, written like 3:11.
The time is 8:22
